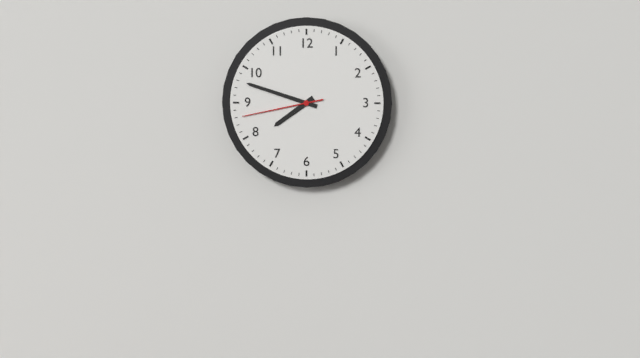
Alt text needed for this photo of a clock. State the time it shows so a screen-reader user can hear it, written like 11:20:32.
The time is 7:48:43
